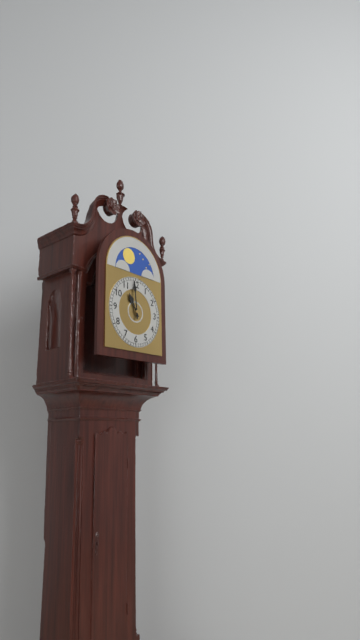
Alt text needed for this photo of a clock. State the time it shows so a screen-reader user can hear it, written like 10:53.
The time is 10:59
